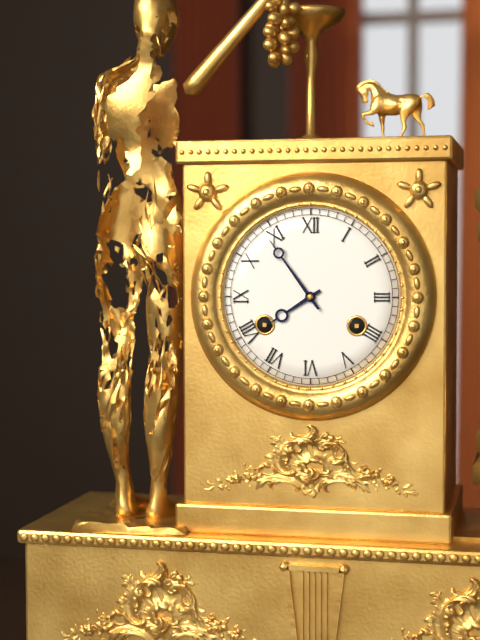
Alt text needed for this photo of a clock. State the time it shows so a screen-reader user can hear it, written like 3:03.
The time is 7:54
